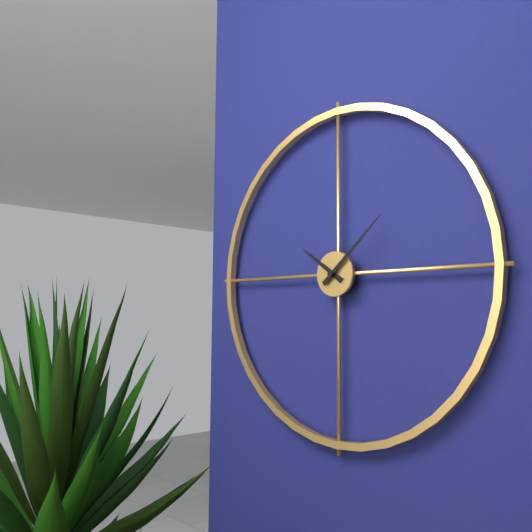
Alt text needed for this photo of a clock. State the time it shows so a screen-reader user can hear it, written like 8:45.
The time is 10:08
